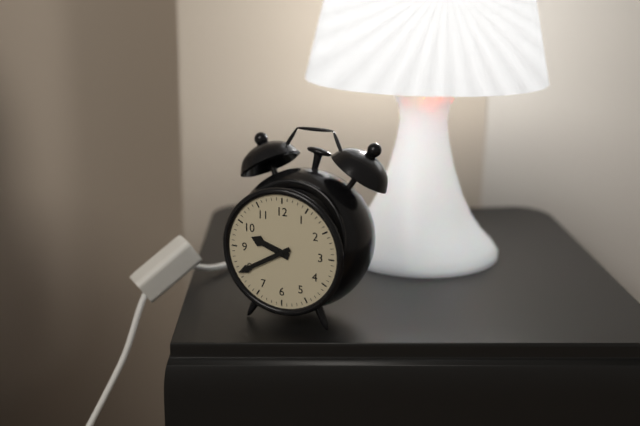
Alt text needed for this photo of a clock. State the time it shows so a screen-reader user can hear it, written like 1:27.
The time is 9:40
